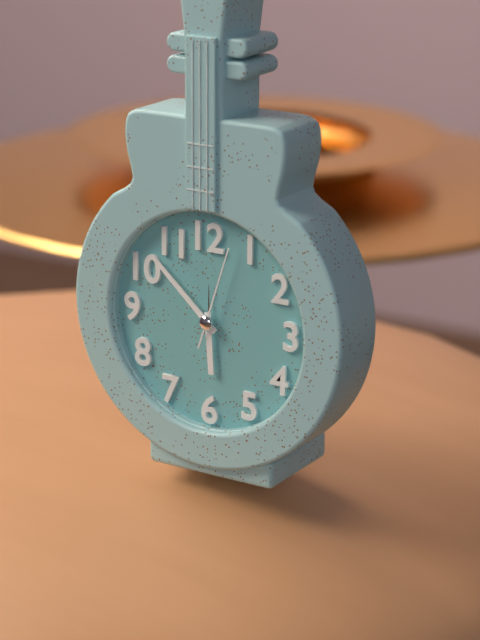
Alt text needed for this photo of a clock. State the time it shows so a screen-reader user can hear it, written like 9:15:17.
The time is 5:52:03
